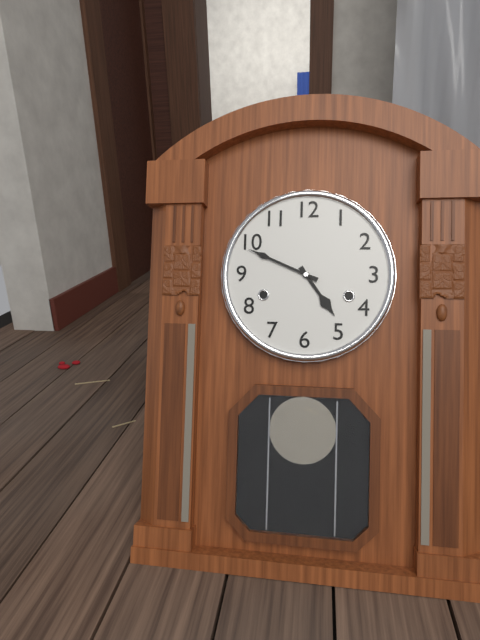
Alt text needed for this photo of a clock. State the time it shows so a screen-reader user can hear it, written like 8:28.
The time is 4:49
